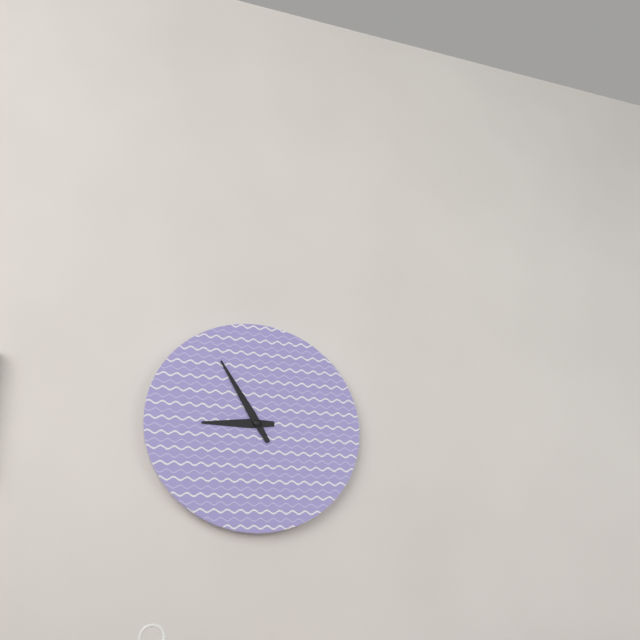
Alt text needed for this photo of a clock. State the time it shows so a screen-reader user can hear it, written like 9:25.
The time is 8:55
